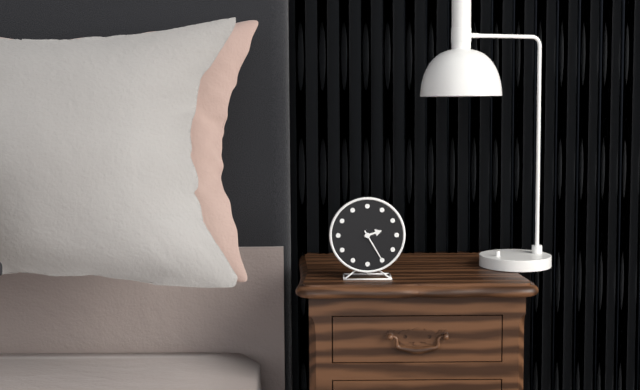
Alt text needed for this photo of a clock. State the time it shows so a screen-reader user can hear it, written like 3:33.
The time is 2:25
